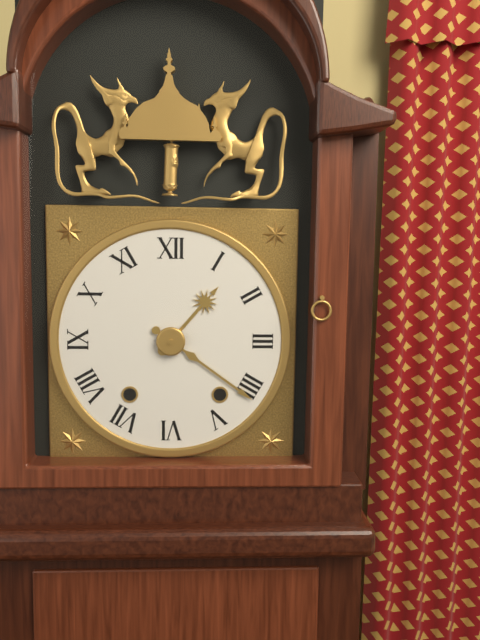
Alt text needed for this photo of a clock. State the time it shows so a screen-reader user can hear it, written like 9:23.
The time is 1:21
